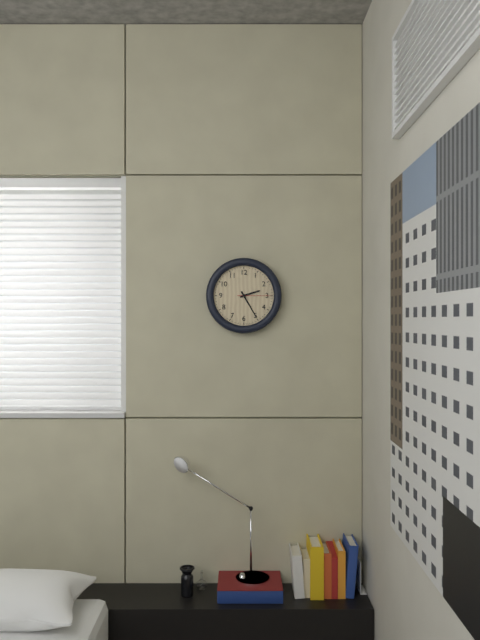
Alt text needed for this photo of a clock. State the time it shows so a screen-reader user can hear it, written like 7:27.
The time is 2:25
